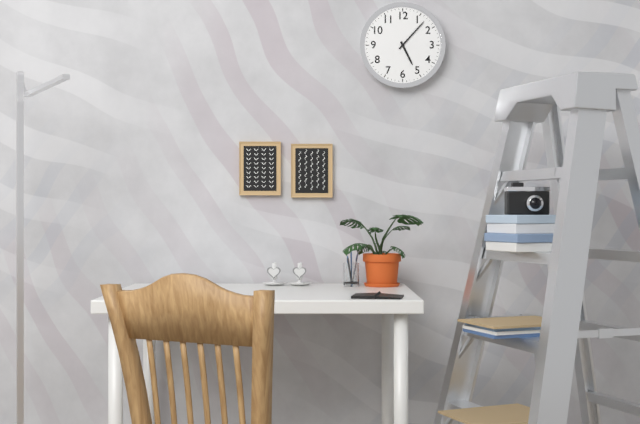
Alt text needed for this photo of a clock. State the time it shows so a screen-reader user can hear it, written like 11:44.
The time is 5:07
